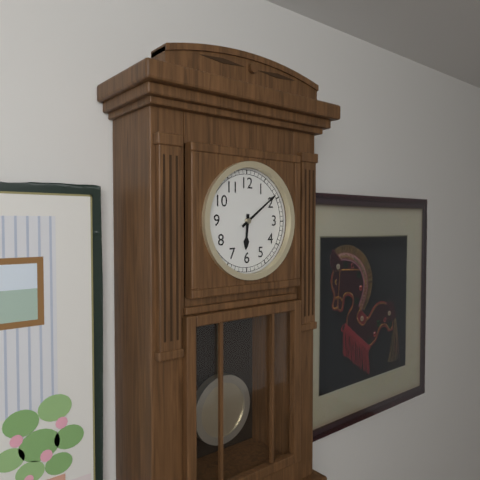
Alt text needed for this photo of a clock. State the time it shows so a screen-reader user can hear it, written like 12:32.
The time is 6:09
